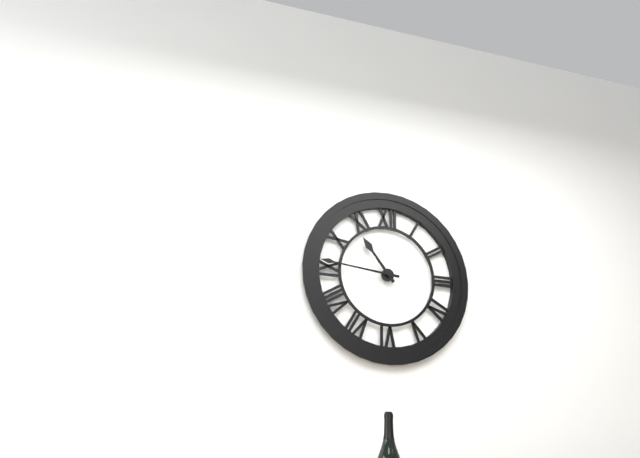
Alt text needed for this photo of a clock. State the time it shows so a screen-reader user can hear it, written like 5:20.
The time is 10:46
